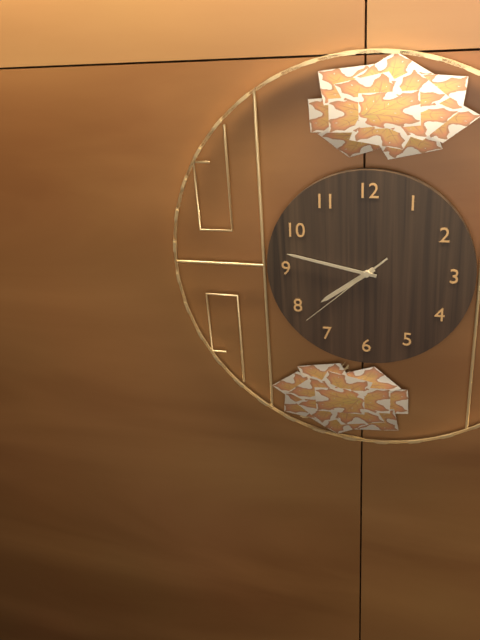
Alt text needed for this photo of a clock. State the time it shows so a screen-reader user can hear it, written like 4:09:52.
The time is 7:47:38
